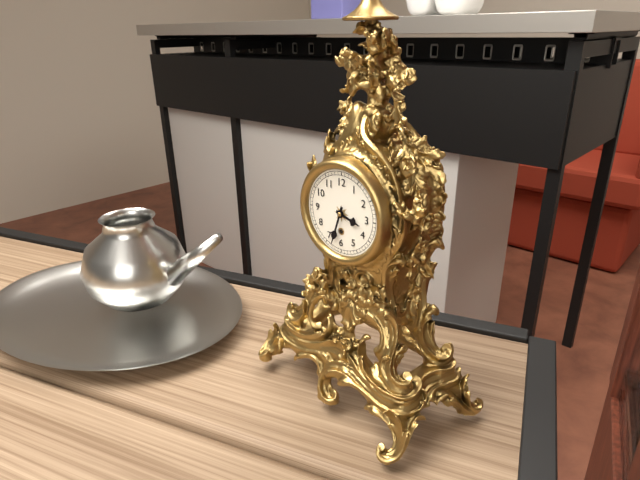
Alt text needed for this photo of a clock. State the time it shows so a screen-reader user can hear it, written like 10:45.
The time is 3:33
